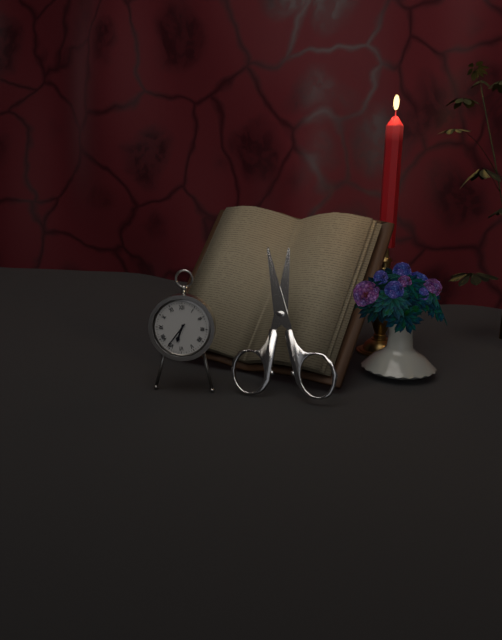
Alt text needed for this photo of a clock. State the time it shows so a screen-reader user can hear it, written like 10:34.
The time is 6:36
